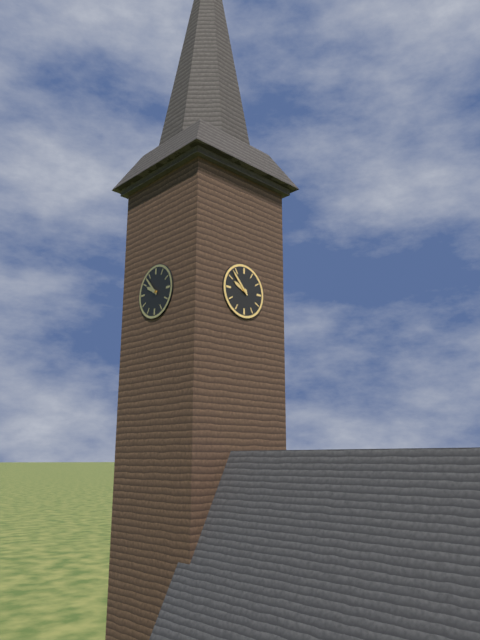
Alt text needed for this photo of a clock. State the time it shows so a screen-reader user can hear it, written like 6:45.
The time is 9:53
